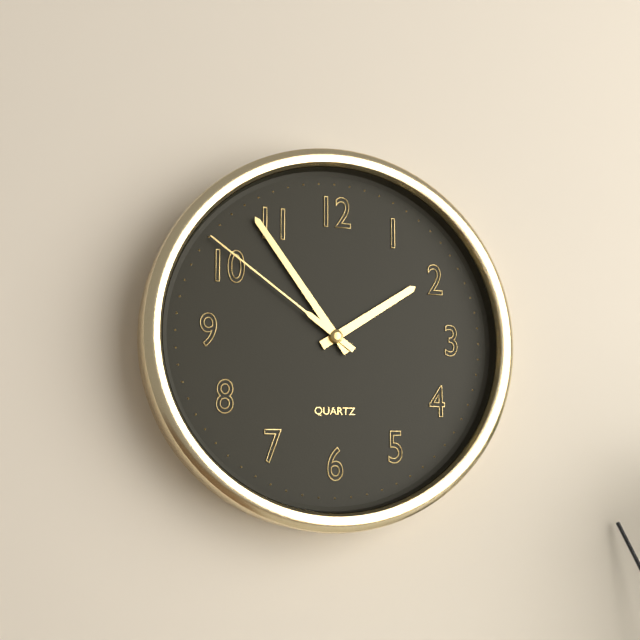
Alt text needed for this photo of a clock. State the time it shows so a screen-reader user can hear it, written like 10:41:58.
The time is 1:54:51
